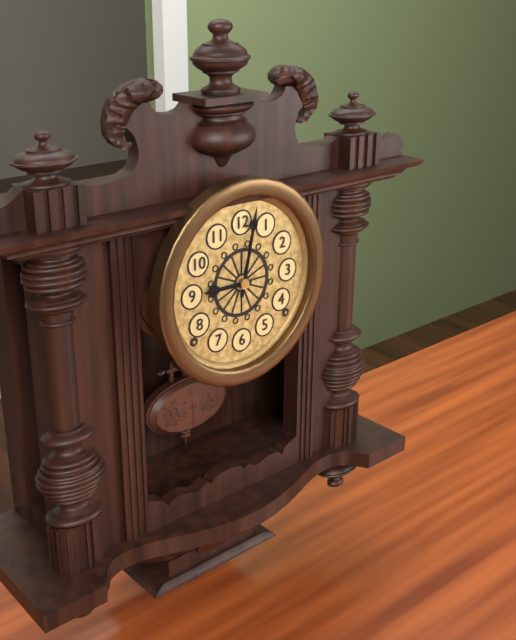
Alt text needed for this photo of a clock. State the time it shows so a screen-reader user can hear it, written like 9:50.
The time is 9:02
